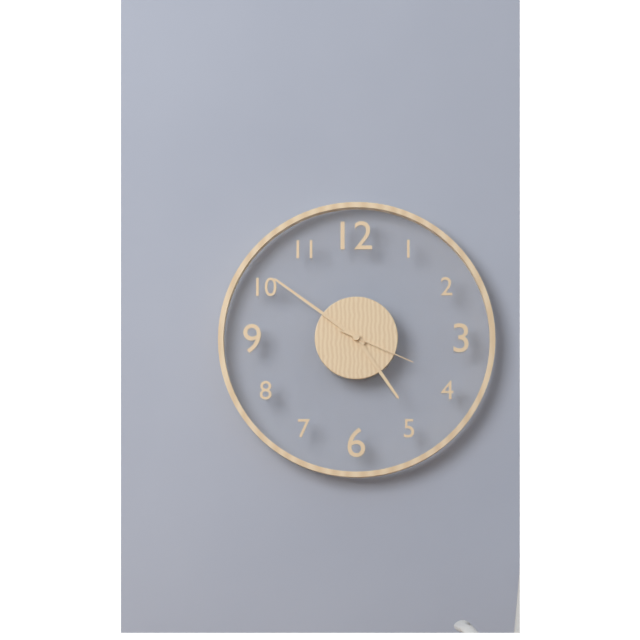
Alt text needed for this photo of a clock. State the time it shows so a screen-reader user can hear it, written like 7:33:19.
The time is 4:51:19
